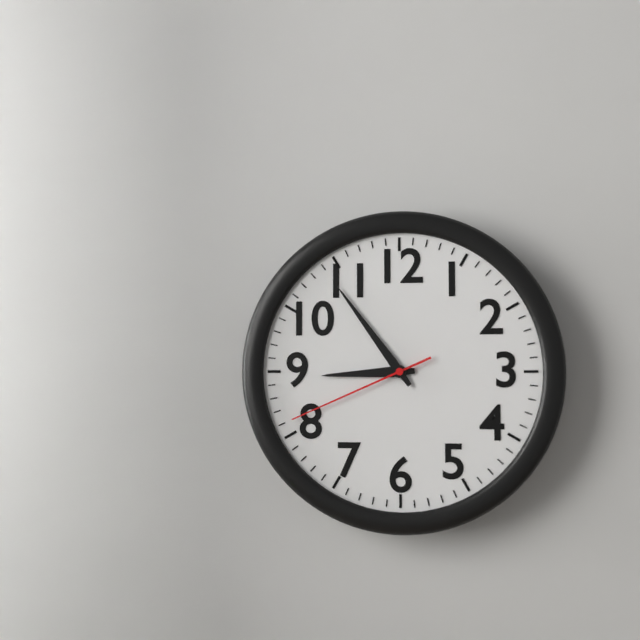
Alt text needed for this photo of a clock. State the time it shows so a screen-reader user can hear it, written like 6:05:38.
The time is 8:54:41
